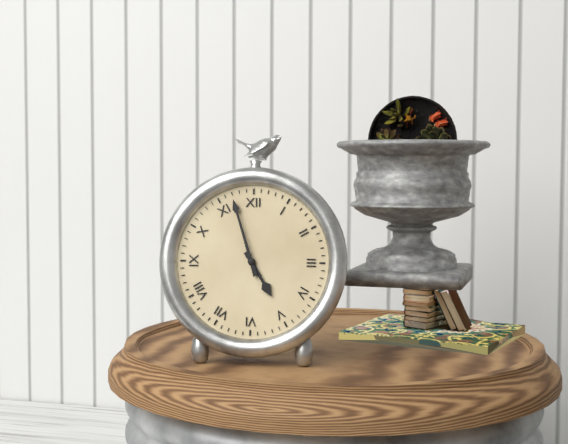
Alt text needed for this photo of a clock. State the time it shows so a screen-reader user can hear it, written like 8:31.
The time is 4:57
